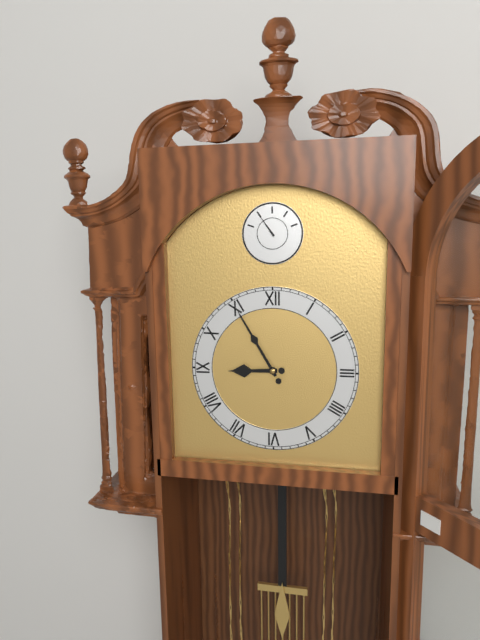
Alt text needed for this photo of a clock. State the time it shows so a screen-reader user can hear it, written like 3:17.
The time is 8:55
